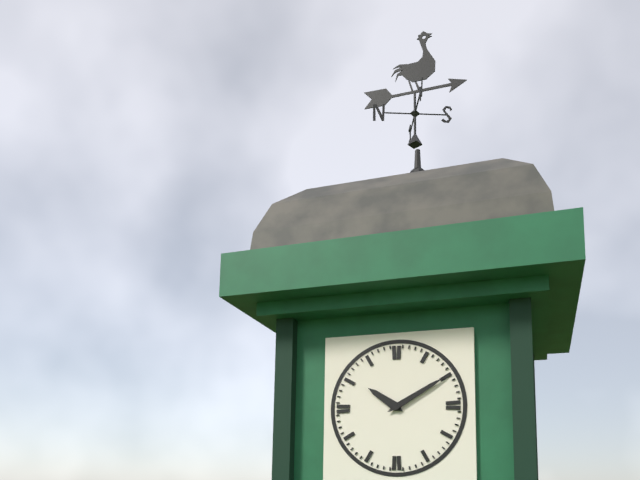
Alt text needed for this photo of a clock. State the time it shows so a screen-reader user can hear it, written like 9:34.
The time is 10:10
